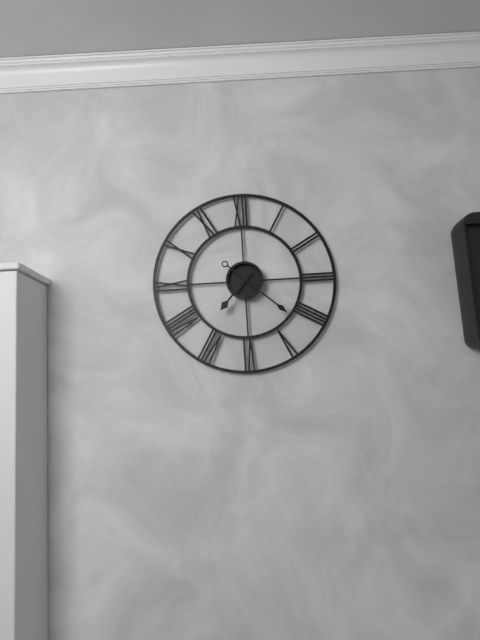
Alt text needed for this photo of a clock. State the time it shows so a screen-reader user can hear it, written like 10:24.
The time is 7:22
